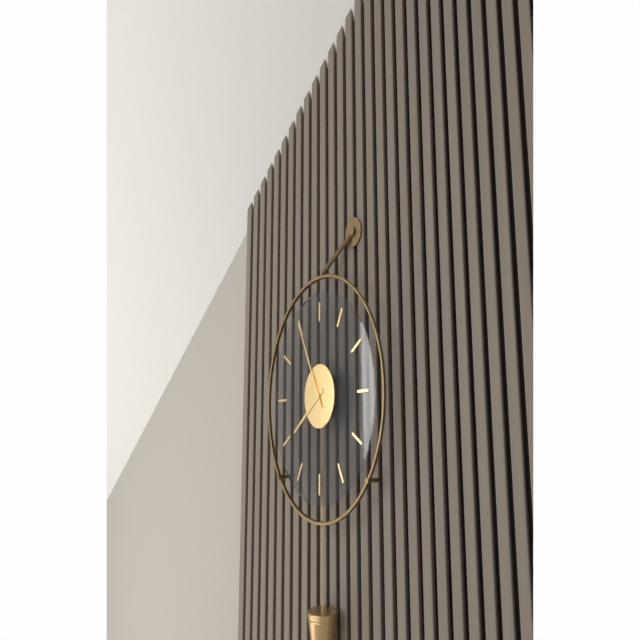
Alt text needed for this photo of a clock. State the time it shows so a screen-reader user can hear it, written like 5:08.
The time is 7:55
